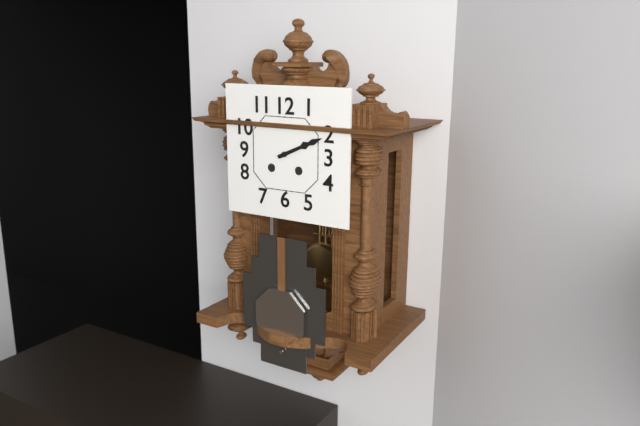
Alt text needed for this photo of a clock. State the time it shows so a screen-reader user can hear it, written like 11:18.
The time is 2:11
